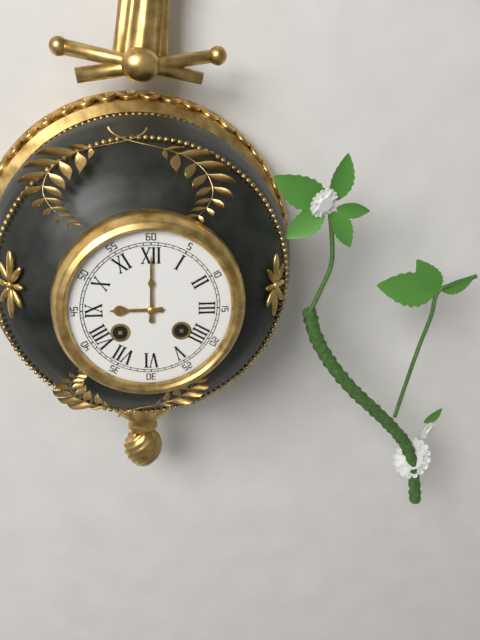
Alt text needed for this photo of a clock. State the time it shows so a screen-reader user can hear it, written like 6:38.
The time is 9:00
